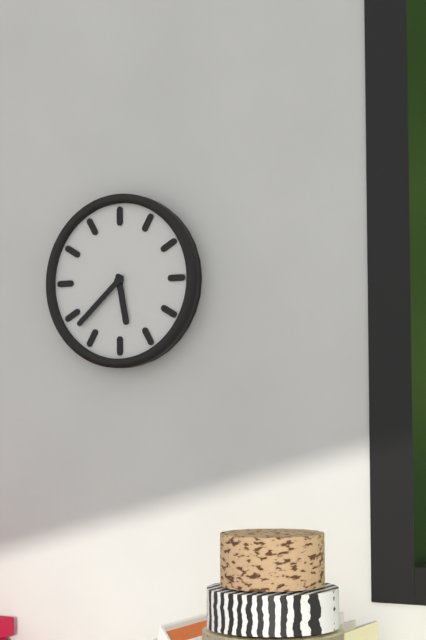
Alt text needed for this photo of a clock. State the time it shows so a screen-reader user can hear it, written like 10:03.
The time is 5:38
